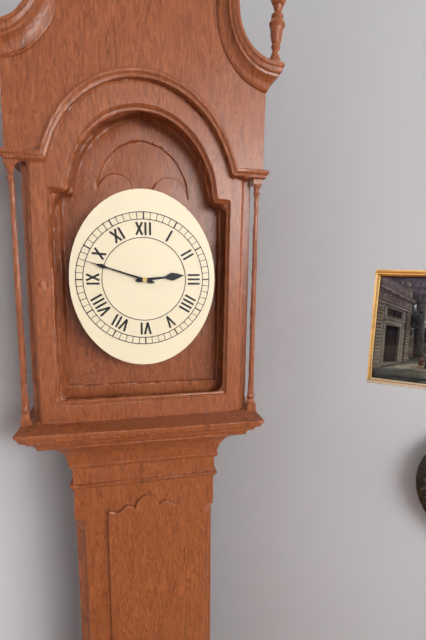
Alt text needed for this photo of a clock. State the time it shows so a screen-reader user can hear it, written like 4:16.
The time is 2:48
